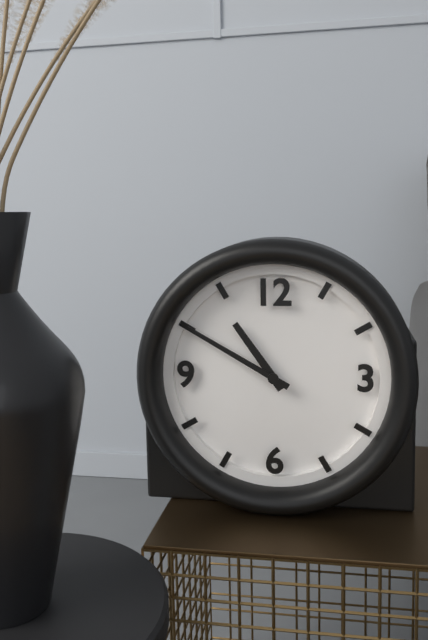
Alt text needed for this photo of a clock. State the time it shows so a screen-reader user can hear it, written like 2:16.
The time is 10:50
